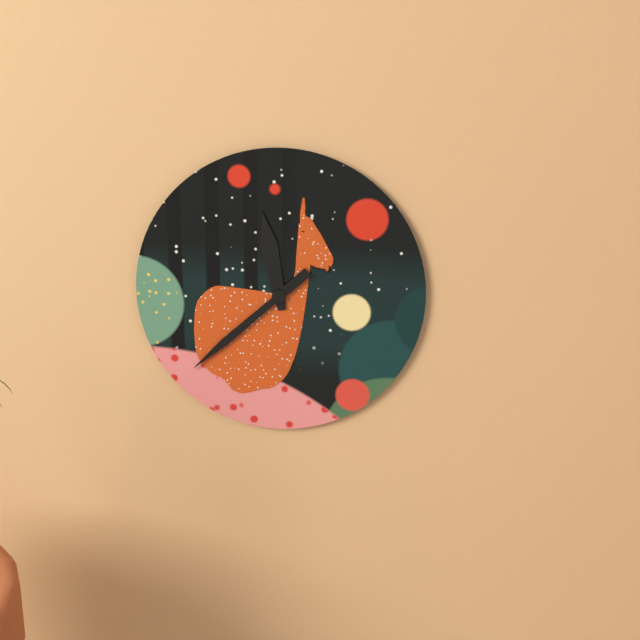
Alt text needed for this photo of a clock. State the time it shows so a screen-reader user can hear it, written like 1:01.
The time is 11:38
